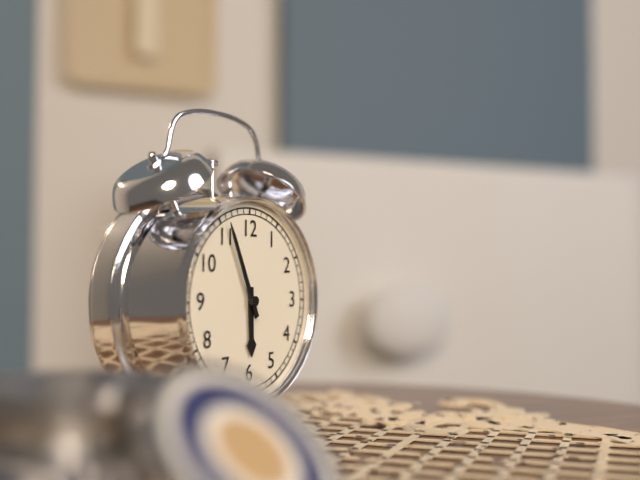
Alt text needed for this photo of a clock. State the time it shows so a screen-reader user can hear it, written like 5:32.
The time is 5:56
